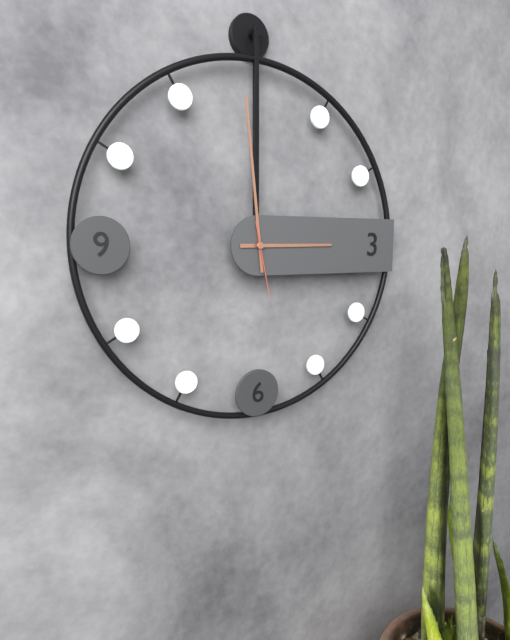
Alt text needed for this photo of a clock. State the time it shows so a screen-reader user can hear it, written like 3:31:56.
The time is 2:59:28
